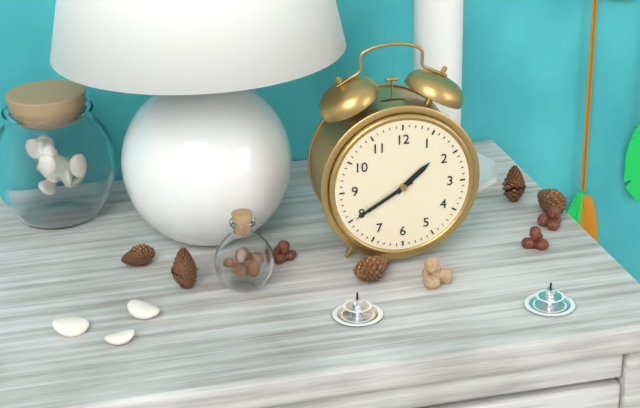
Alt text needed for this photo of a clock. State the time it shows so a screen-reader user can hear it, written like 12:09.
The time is 1:40
